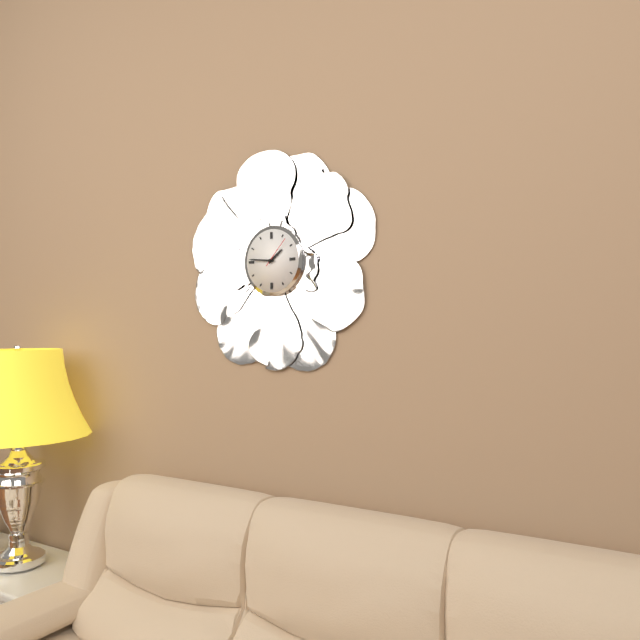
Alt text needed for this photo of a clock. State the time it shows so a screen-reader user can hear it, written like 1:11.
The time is 1:46
